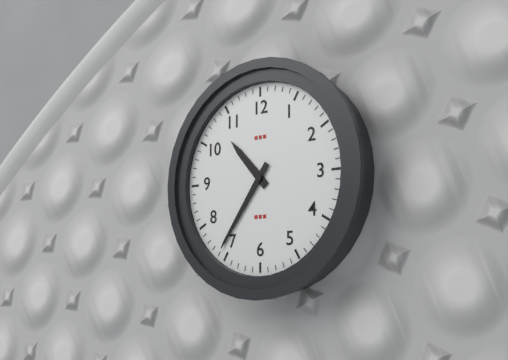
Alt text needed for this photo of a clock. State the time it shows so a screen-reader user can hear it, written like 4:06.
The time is 10:36
